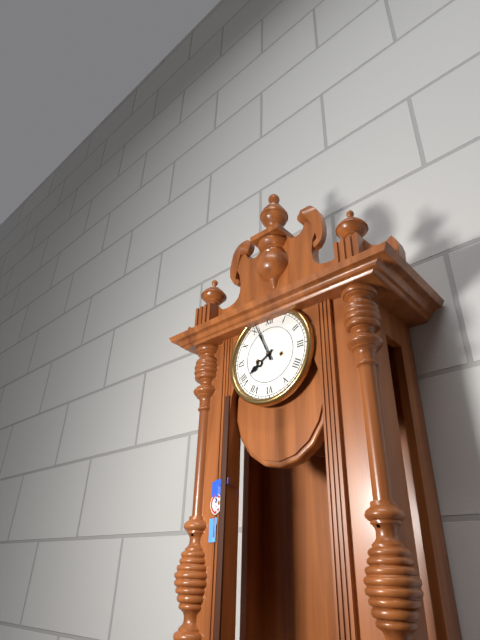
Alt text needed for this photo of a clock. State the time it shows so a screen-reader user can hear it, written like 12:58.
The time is 7:56
